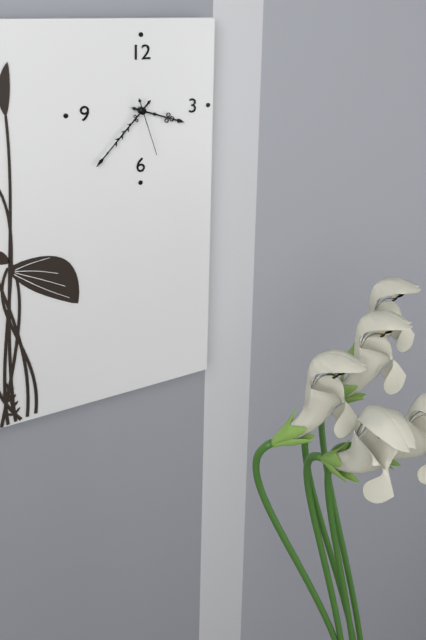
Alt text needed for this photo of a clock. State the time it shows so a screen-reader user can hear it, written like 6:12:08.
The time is 3:37:27
